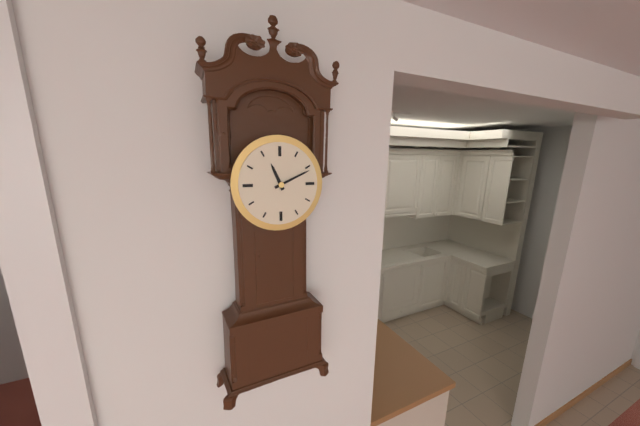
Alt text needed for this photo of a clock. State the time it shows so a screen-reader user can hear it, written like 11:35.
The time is 11:11
